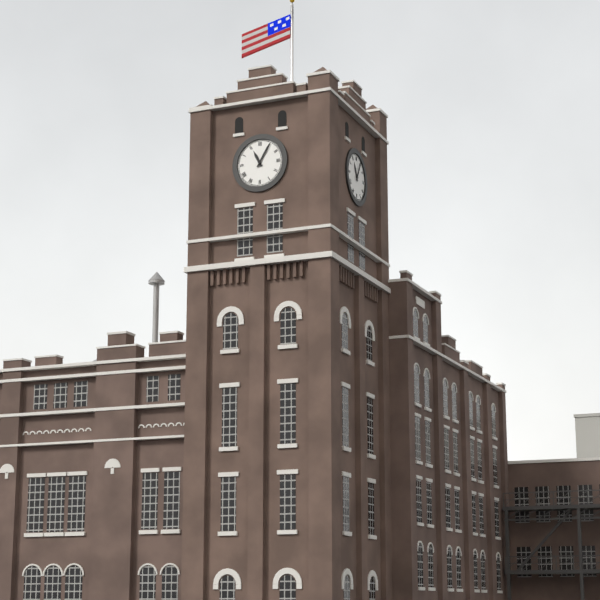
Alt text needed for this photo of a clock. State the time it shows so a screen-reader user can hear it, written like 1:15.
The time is 11:05
